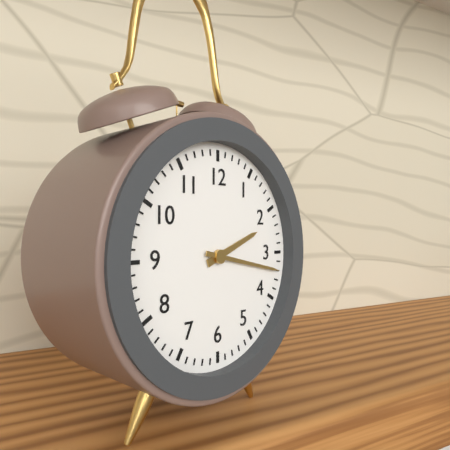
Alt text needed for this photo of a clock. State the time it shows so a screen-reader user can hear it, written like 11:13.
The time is 2:17
